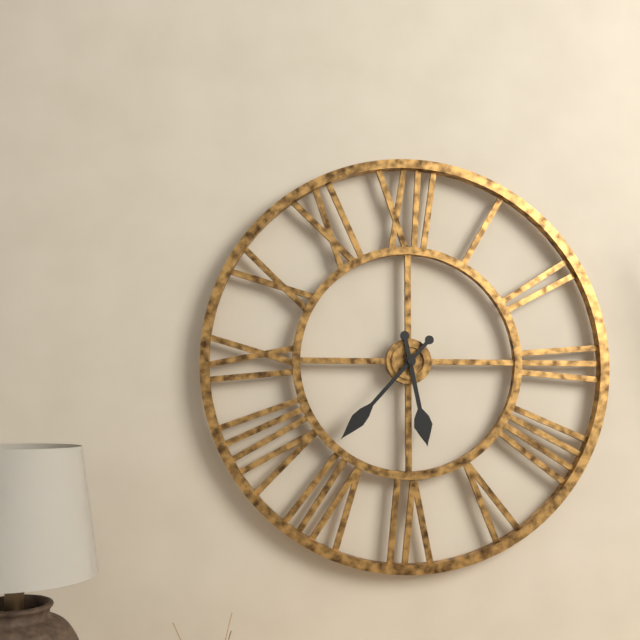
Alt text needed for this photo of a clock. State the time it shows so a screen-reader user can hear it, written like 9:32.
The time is 5:37
